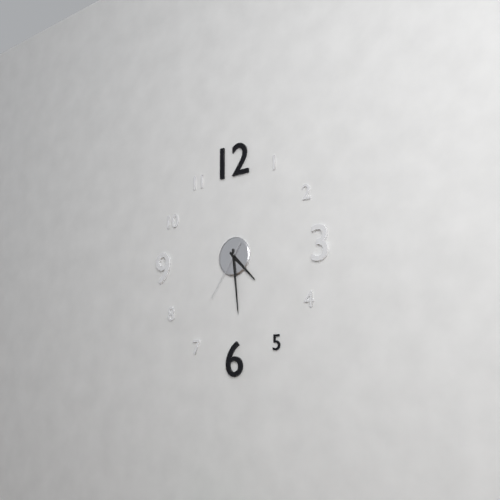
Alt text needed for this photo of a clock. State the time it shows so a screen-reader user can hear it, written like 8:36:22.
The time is 4:29:36
